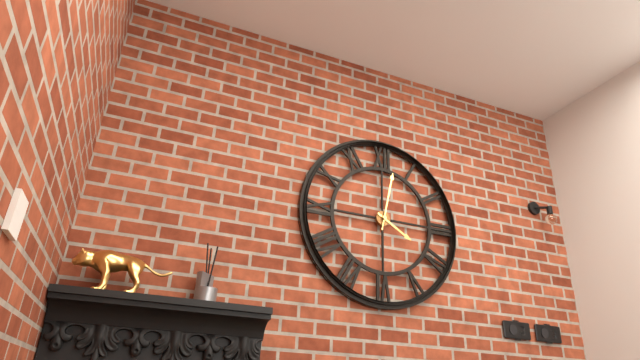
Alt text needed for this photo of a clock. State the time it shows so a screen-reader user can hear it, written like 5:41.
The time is 4:02
